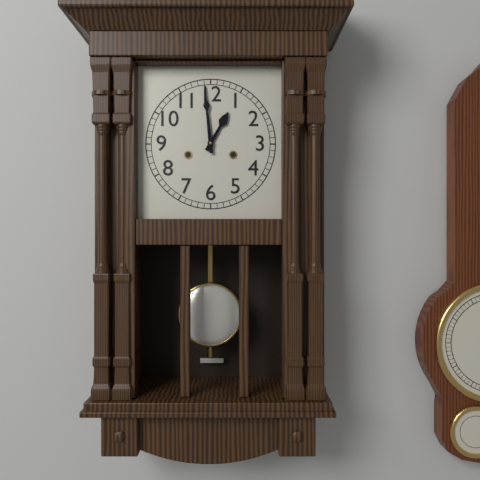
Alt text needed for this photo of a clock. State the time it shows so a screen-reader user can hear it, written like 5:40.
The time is 12:59
